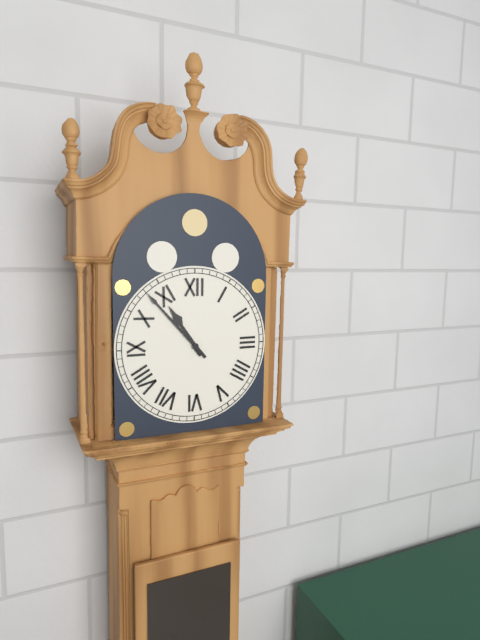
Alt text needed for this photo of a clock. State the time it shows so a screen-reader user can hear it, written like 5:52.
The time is 10:53
